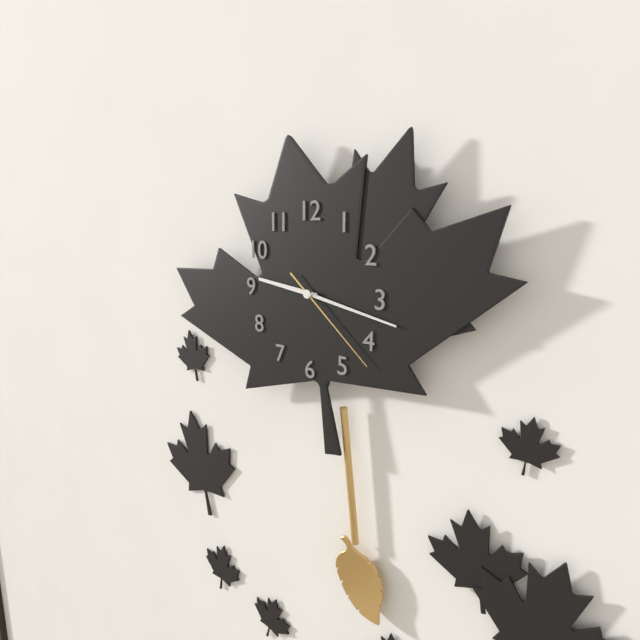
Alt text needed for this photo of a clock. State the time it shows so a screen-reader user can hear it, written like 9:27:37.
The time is 9:17:22
